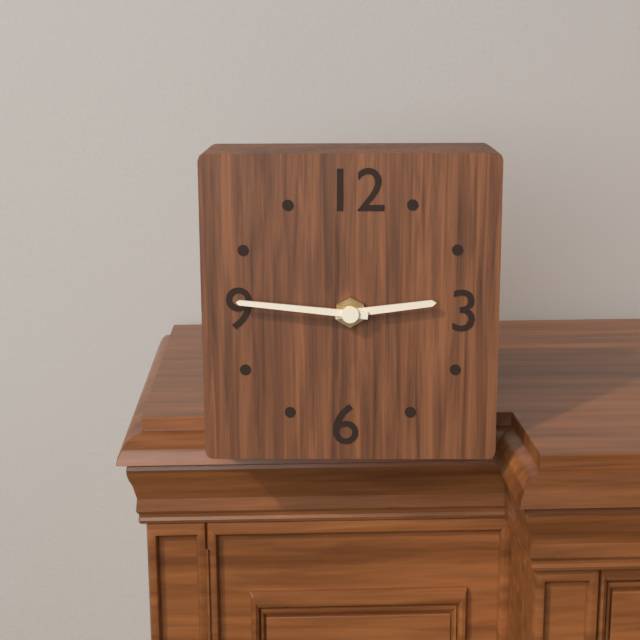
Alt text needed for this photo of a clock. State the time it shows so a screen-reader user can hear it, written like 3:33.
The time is 2:46
